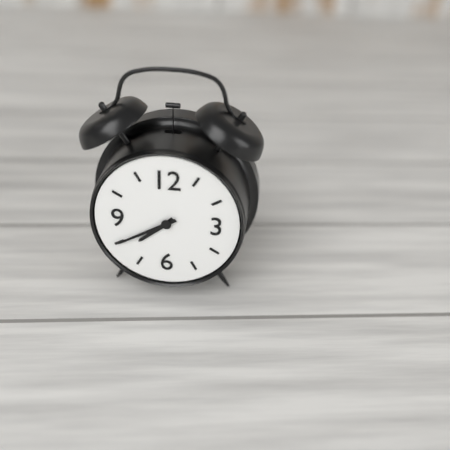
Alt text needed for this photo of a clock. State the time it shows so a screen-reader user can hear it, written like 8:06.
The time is 7:40
